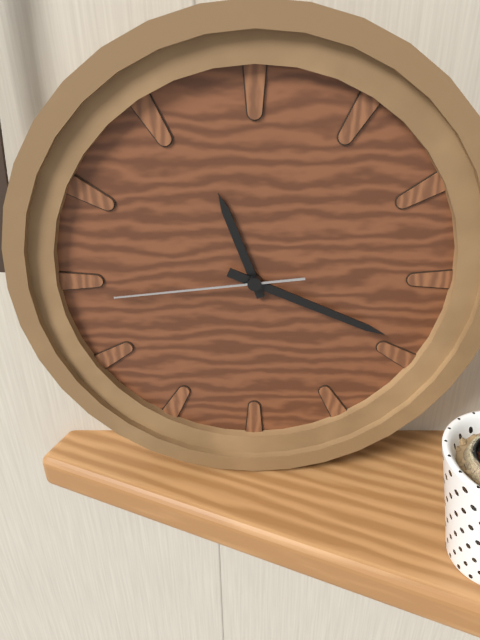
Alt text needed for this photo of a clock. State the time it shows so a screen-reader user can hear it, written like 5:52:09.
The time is 11:19:44
